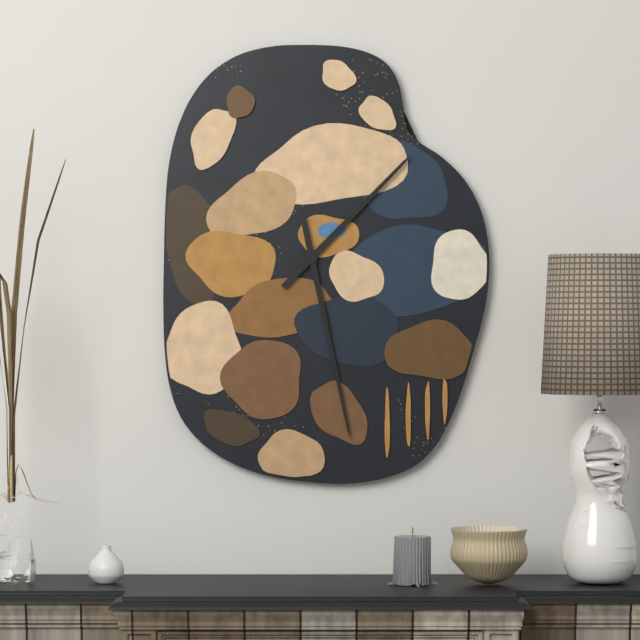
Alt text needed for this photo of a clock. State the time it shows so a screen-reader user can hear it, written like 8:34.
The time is 1:28
